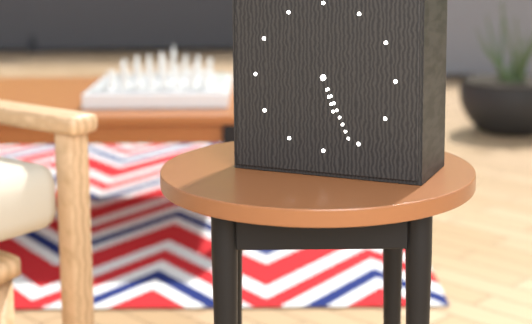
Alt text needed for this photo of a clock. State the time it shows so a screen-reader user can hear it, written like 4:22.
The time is 5:26
